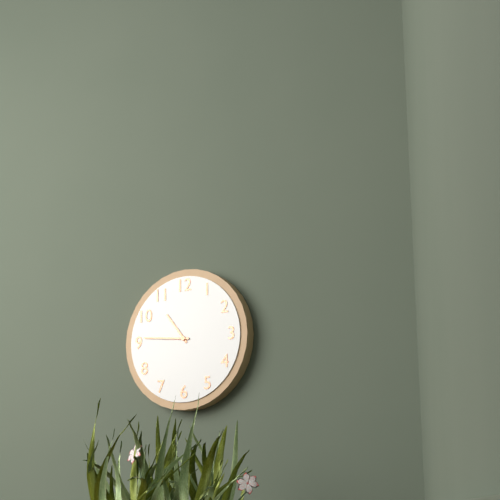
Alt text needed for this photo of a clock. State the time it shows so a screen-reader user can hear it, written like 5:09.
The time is 10:46
